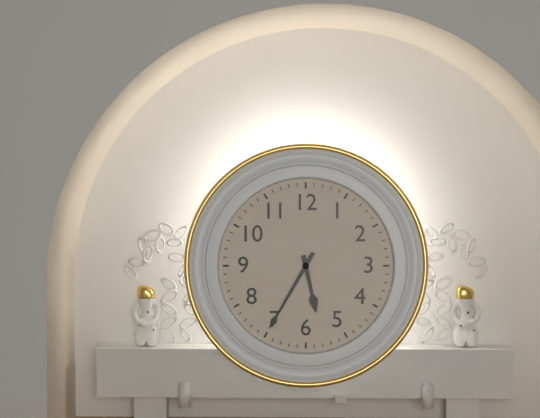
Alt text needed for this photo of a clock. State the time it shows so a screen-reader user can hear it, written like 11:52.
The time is 5:35
